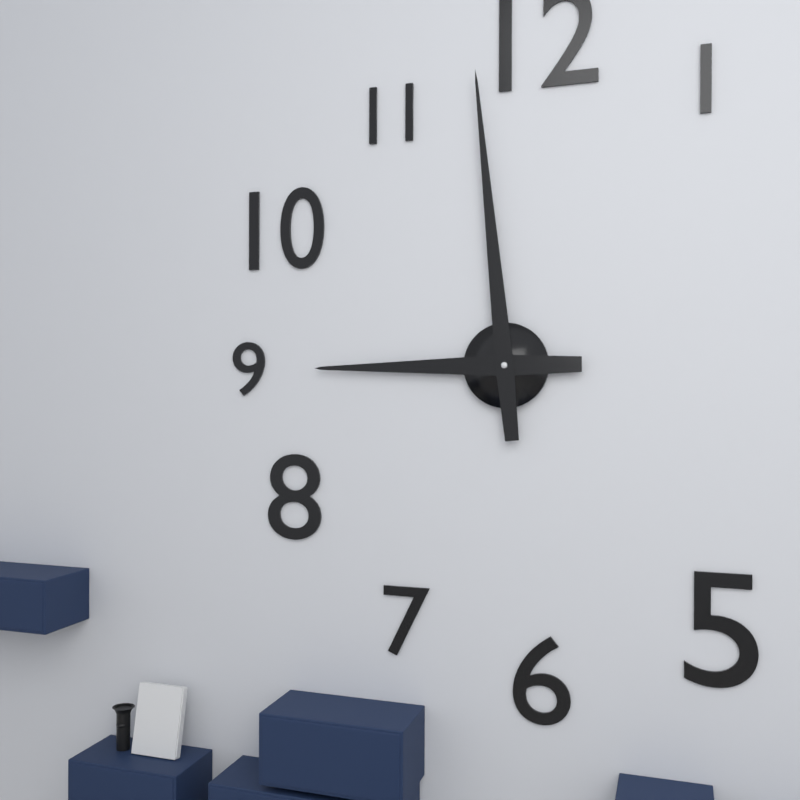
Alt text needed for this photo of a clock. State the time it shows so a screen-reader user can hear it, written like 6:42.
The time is 8:59
